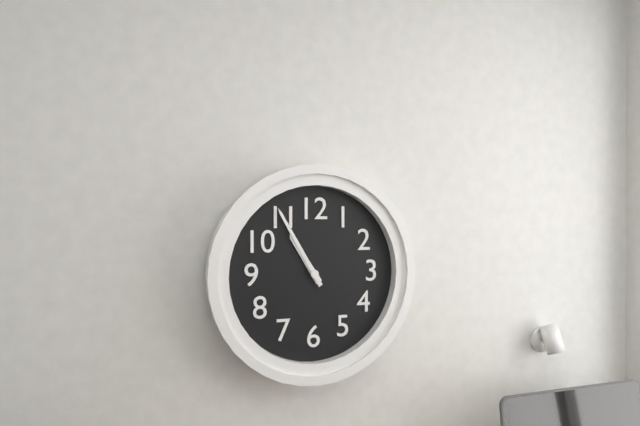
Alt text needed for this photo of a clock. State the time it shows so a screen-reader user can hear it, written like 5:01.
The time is 10:55
